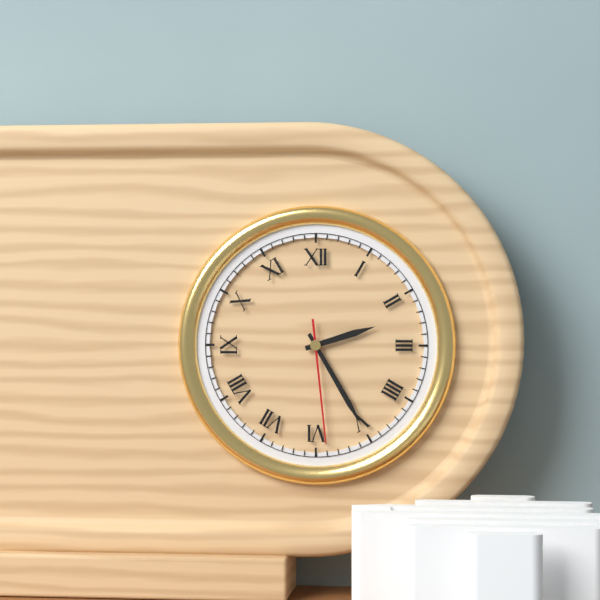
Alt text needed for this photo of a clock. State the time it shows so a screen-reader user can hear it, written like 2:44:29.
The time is 2:25:29
